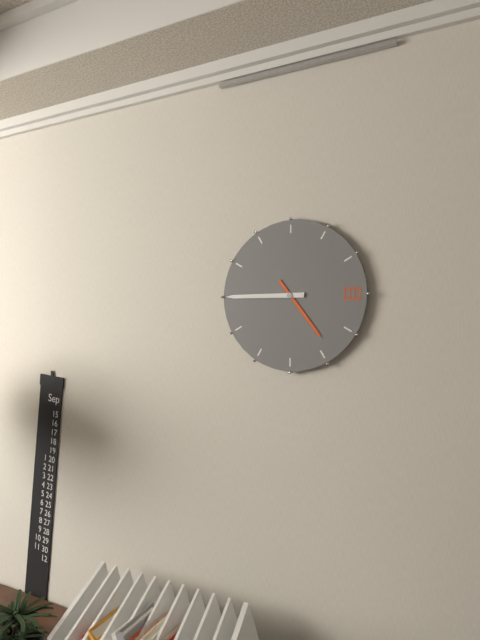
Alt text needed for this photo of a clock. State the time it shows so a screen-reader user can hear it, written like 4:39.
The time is 4:45
